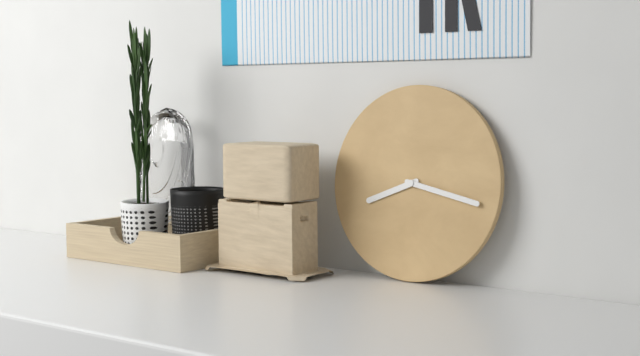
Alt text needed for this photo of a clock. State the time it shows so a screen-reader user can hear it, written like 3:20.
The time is 8:17
